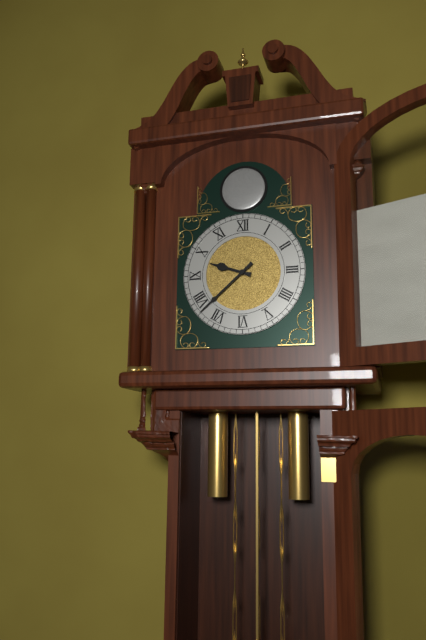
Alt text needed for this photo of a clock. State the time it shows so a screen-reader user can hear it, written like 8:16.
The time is 9:38
